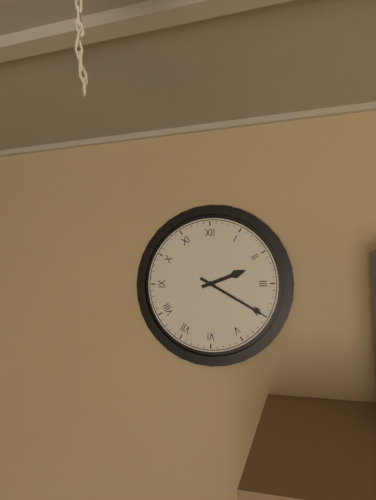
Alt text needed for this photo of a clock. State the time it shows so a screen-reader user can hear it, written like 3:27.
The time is 2:20
